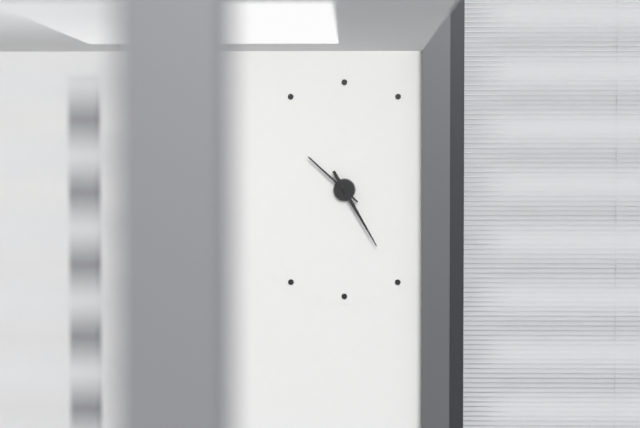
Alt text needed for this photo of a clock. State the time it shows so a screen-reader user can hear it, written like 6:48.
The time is 10:25
